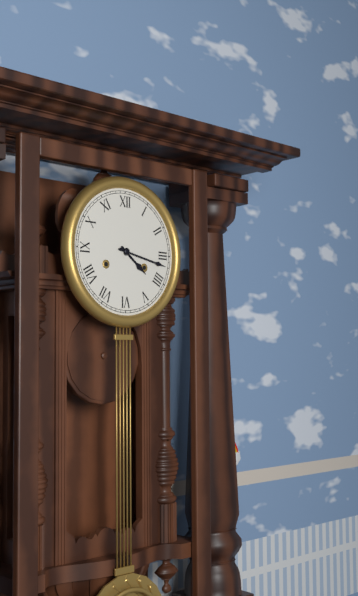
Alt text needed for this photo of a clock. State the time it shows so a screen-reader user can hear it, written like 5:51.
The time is 4:17
